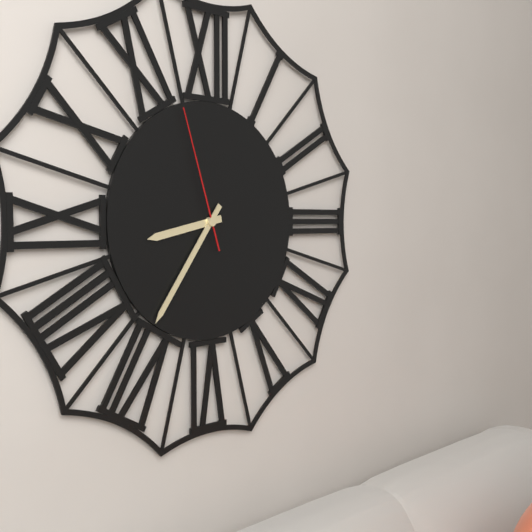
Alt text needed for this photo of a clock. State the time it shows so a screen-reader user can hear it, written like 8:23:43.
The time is 8:36:57
